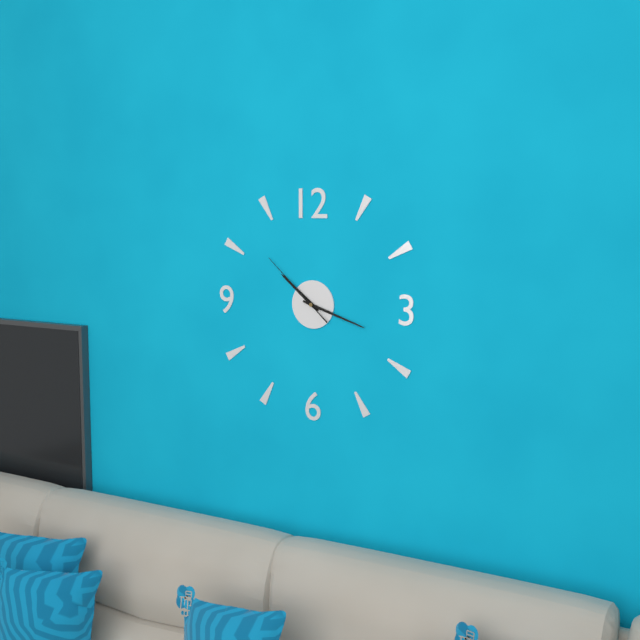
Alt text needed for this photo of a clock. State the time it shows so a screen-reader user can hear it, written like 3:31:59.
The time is 10:18:52
